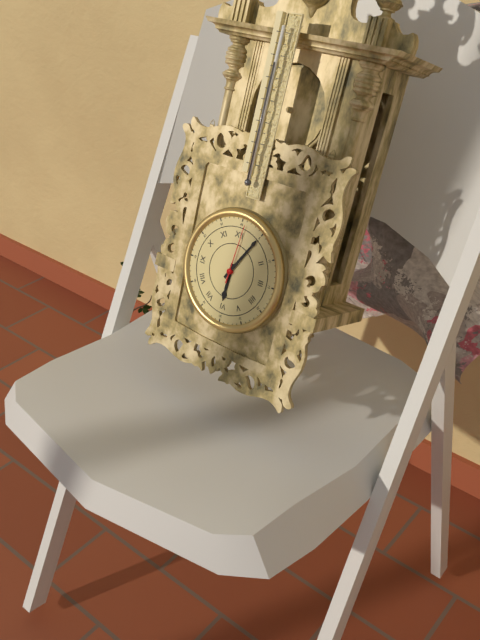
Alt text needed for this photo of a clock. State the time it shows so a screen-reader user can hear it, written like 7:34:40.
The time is 6:05:01
